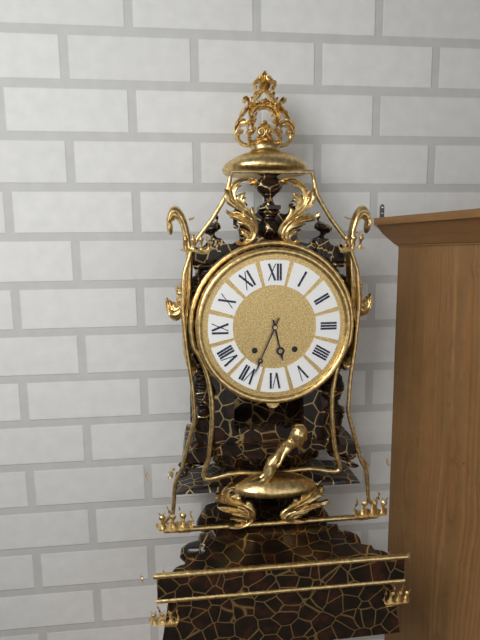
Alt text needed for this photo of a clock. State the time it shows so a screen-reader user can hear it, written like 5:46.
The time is 5:34
